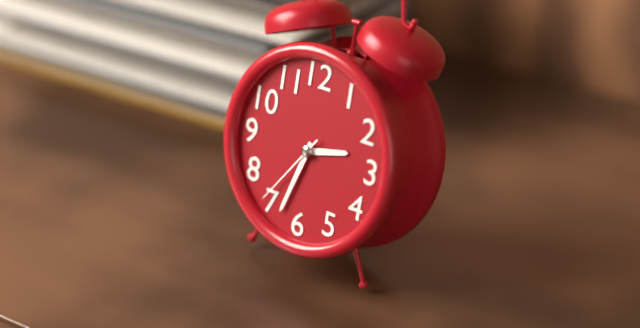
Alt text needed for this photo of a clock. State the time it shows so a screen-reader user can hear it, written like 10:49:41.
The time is 2:33:36
